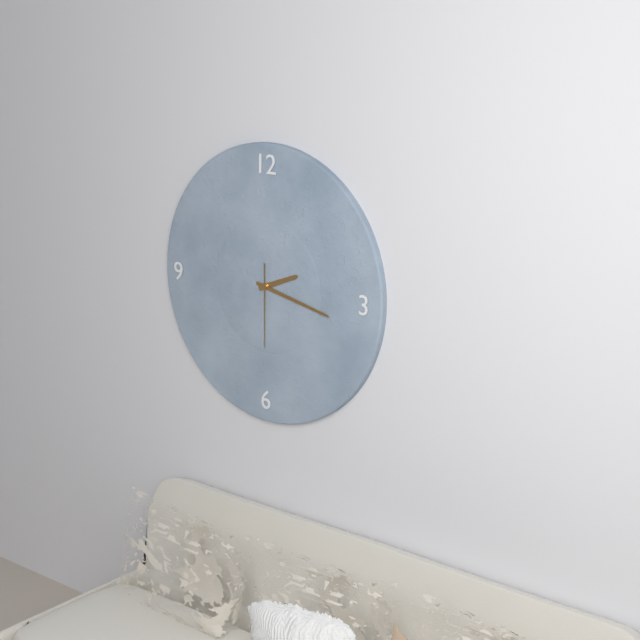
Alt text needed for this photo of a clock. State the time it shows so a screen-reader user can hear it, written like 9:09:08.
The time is 2:17:30
